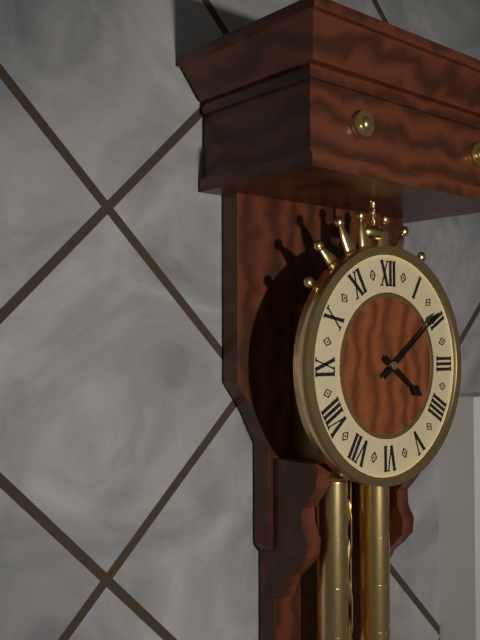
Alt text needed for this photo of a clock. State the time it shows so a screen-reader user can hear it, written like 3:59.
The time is 4:09
